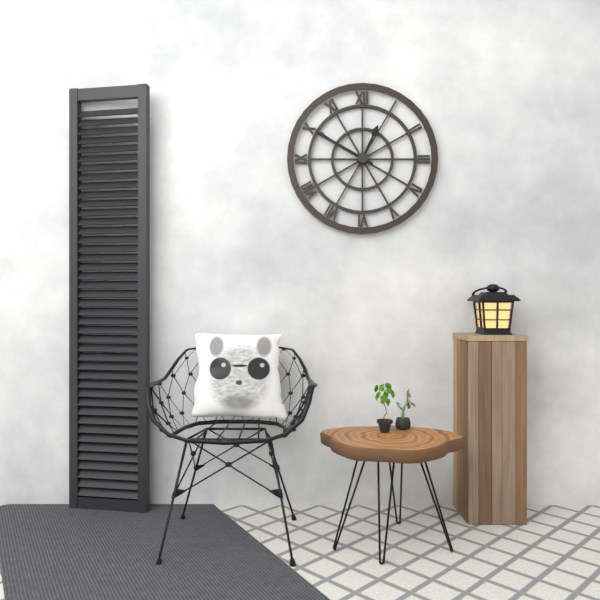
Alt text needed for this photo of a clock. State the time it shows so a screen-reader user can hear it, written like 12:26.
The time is 12:50
